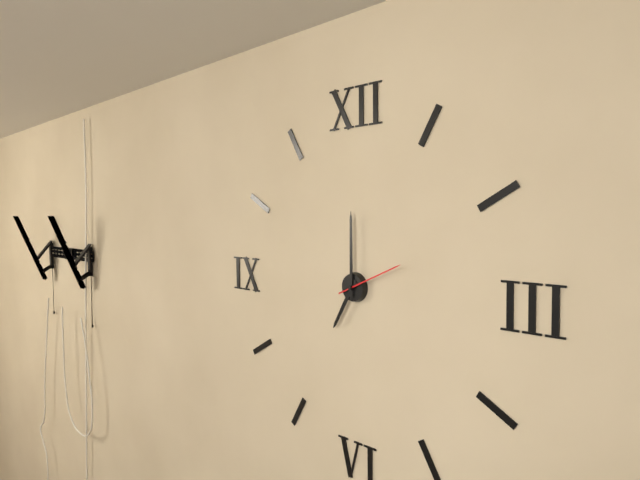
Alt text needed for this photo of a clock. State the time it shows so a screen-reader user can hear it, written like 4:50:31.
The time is 7:00:11
